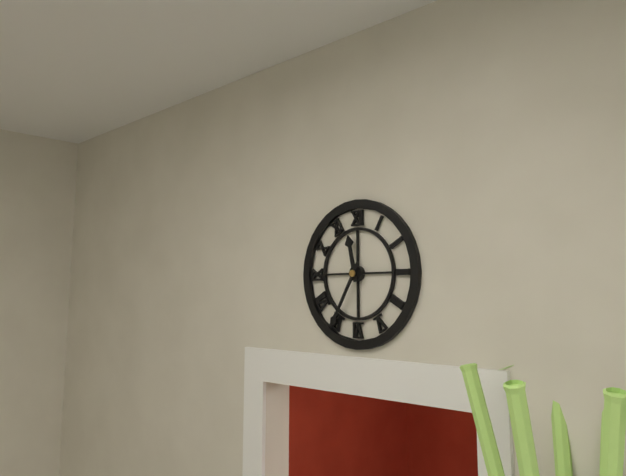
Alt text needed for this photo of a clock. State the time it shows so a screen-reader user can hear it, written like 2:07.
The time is 11:35
